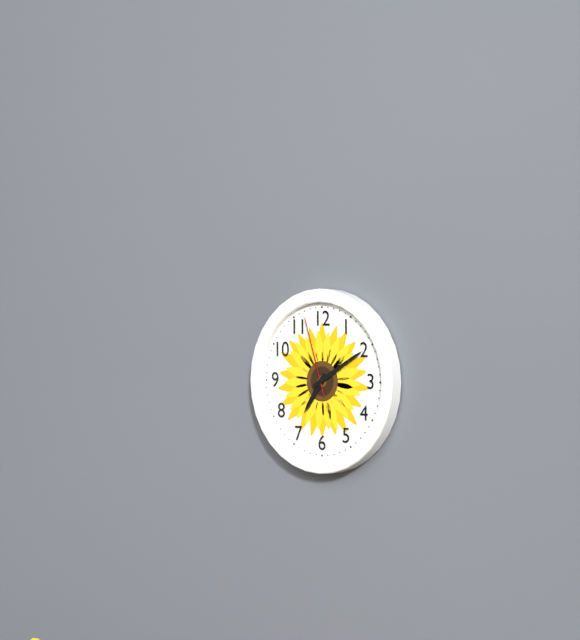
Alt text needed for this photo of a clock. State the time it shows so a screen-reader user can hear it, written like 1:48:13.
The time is 7:10:57
